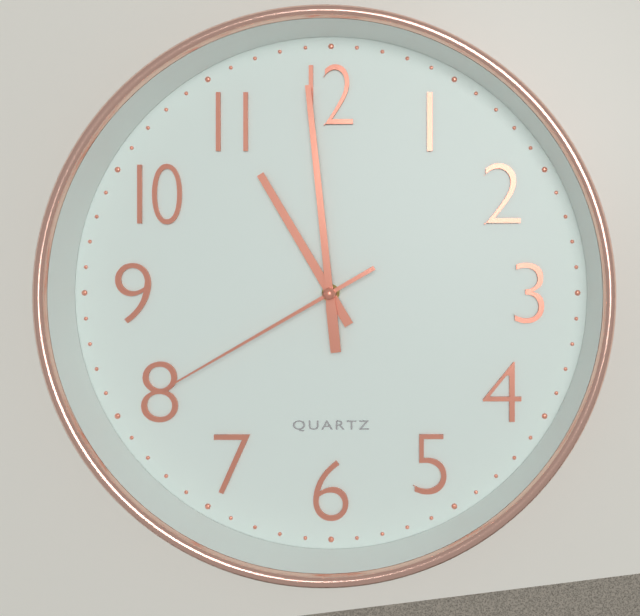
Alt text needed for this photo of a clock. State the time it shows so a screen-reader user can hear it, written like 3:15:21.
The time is 10:59:40
